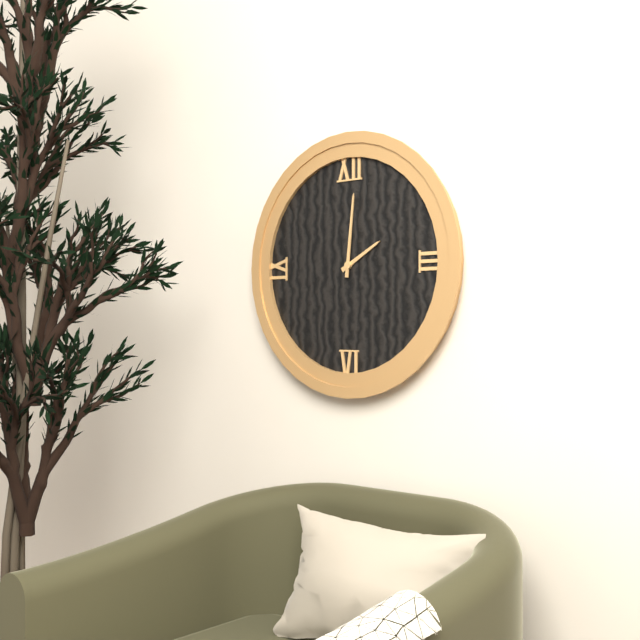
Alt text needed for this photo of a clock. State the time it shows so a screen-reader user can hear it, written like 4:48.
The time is 2:01
